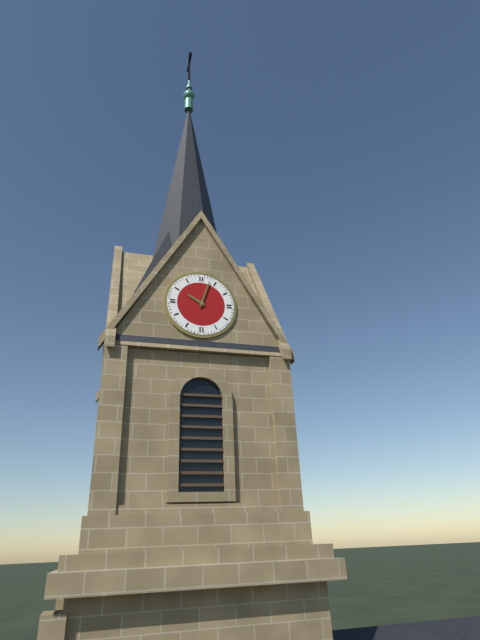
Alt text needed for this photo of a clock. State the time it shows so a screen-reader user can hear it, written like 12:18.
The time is 10:03
